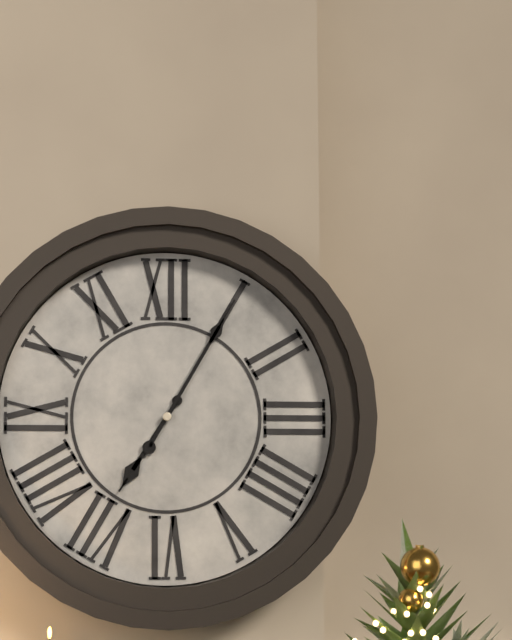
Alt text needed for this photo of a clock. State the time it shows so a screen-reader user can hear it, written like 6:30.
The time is 7:05
